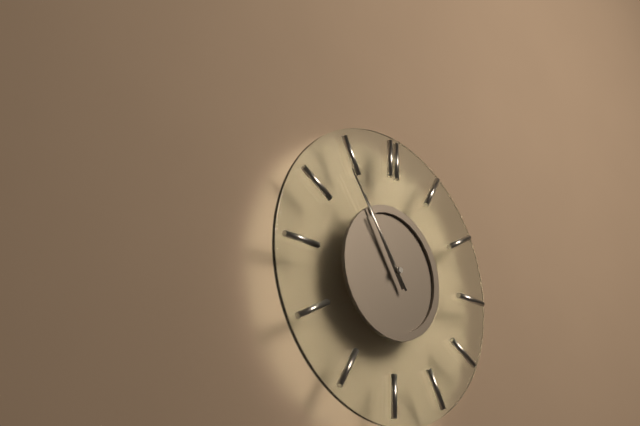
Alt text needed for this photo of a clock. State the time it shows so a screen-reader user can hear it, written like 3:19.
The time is 10:54
